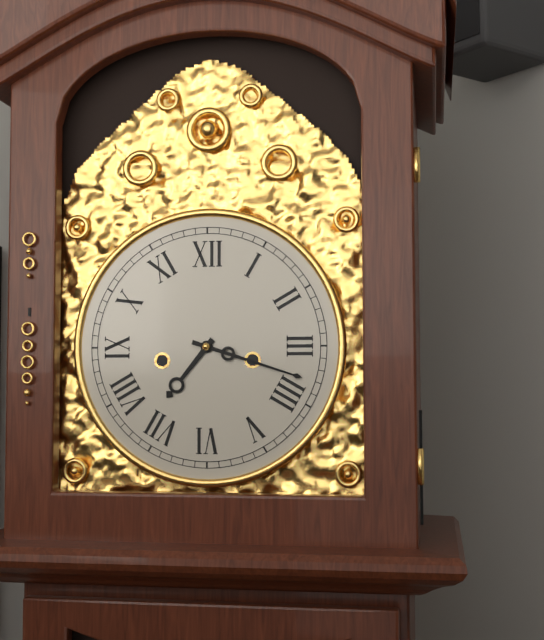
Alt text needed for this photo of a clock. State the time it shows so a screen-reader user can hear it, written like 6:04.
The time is 7:18
